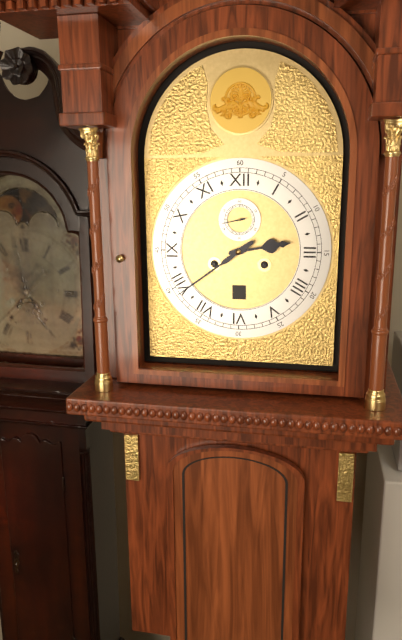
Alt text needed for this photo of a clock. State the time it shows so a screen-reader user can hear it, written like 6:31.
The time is 2:39
